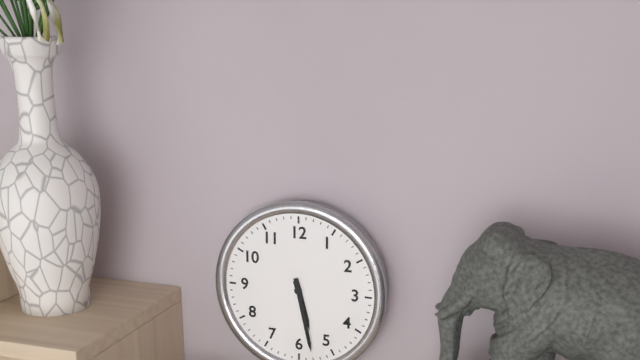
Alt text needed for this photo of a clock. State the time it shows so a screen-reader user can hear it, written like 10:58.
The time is 5:28
